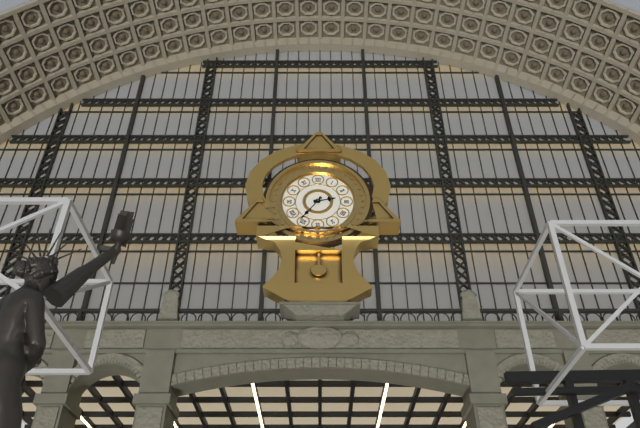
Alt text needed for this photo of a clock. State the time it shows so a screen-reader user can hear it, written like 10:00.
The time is 2:36
